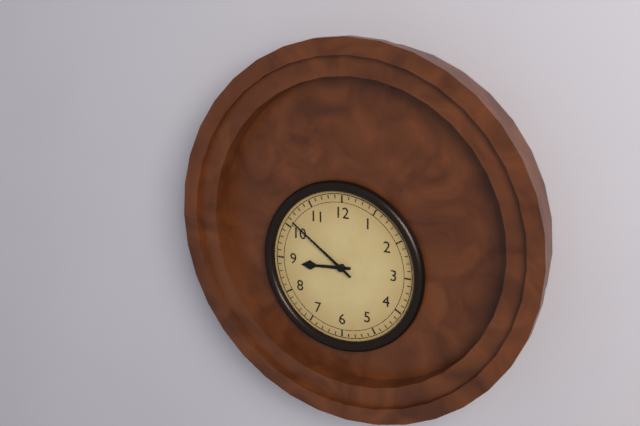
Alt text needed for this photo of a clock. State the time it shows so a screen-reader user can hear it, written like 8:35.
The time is 8:51
